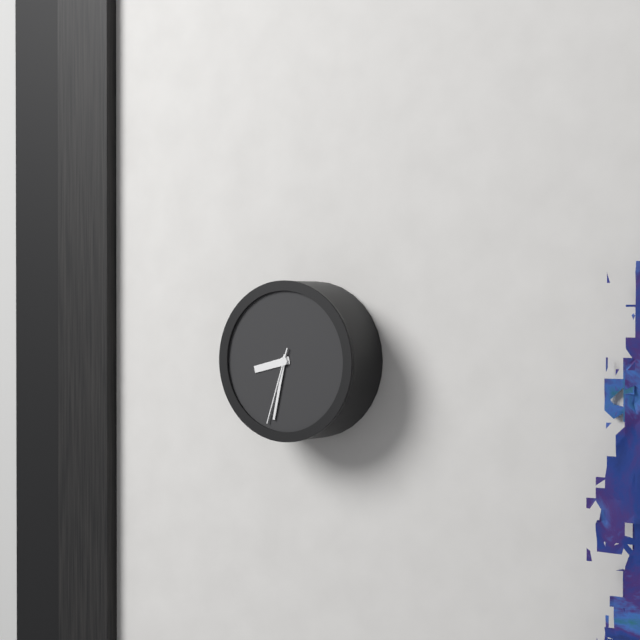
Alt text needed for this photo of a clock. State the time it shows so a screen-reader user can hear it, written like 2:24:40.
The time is 8:32:33
